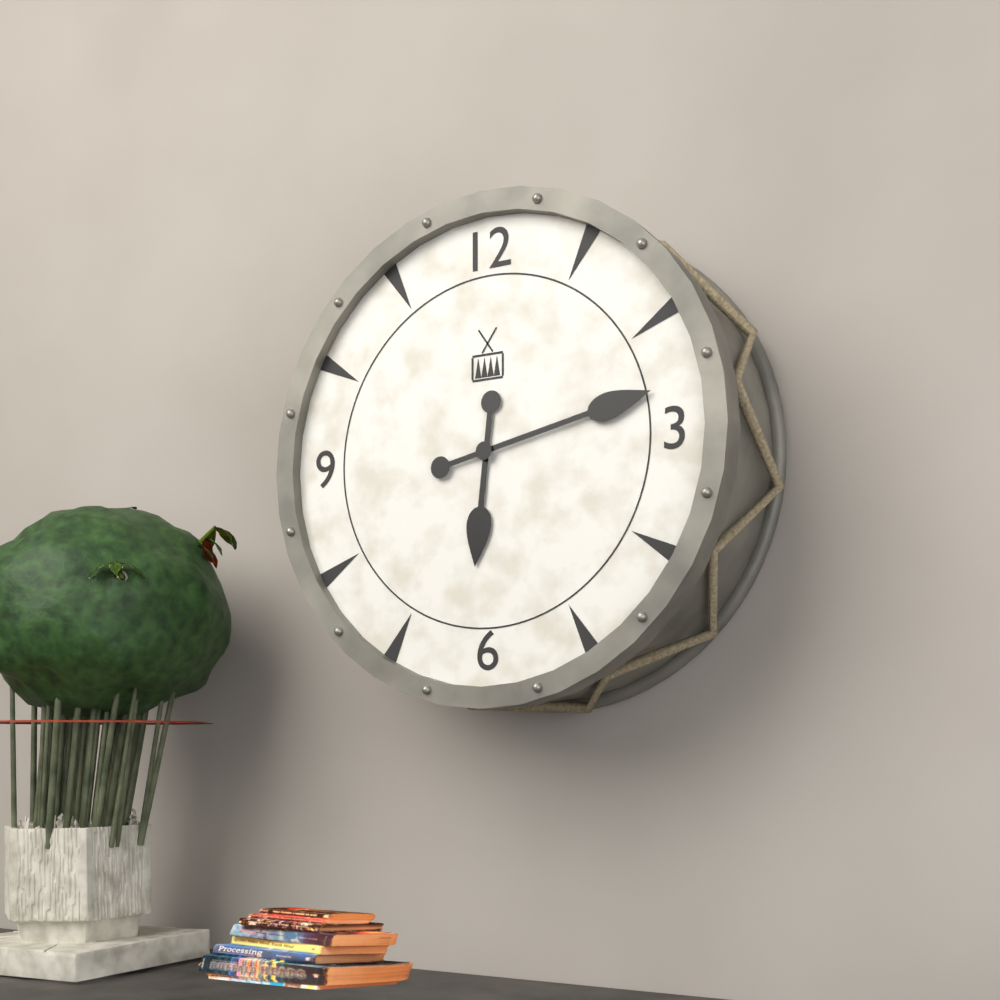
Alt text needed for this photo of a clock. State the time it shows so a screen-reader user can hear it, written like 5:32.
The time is 6:13
